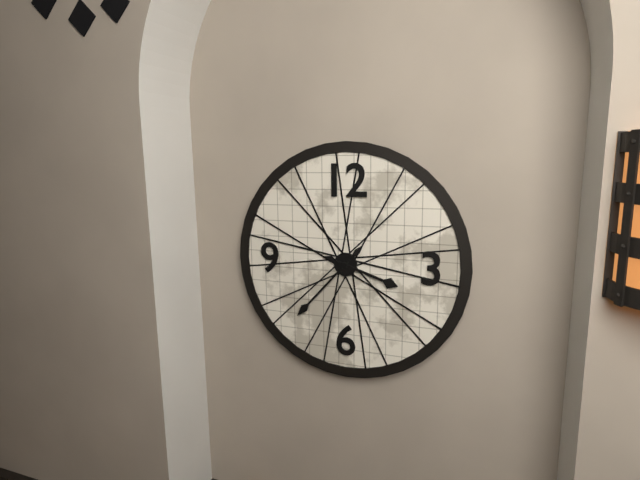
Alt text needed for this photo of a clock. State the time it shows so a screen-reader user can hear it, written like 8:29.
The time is 3:37
